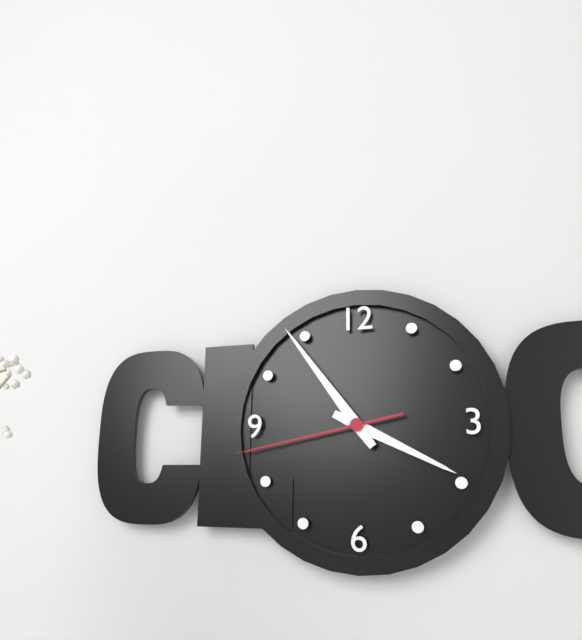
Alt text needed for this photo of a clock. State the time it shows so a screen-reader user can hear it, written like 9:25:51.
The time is 3:54:43
